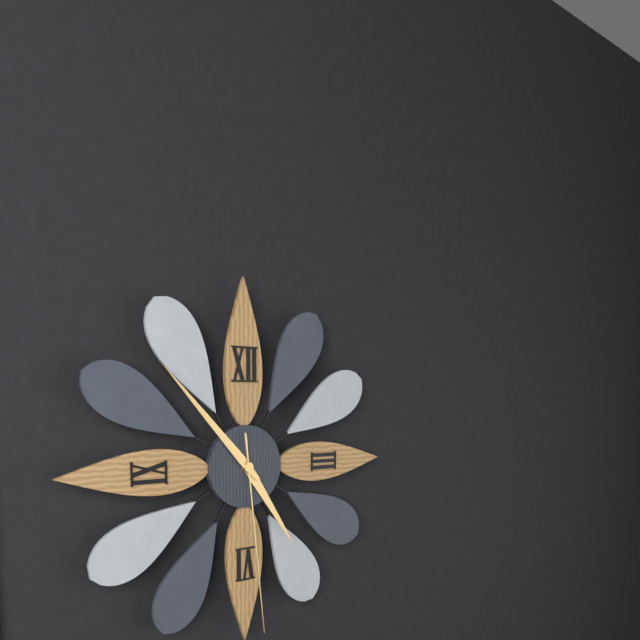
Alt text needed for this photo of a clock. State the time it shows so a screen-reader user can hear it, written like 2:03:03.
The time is 4:53:29
